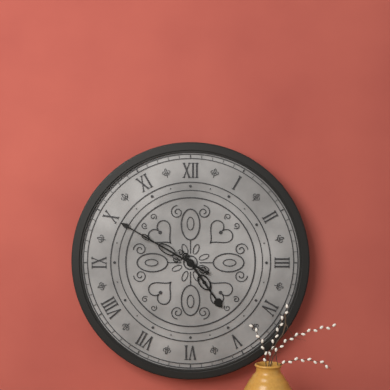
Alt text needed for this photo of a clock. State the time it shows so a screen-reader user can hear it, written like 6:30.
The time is 4:50
